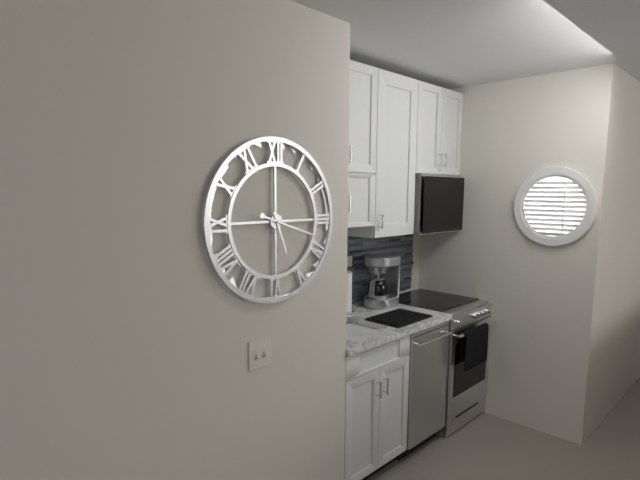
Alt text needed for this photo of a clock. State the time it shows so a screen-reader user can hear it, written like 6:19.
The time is 5:18
